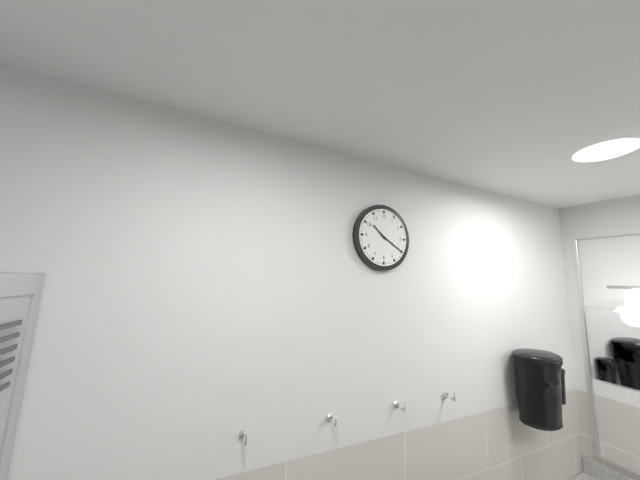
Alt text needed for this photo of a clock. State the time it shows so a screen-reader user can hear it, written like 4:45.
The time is 10:20
